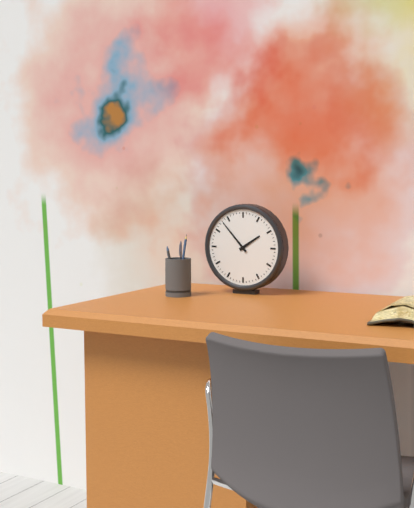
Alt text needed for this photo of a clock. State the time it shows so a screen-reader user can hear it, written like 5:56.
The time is 1:53
